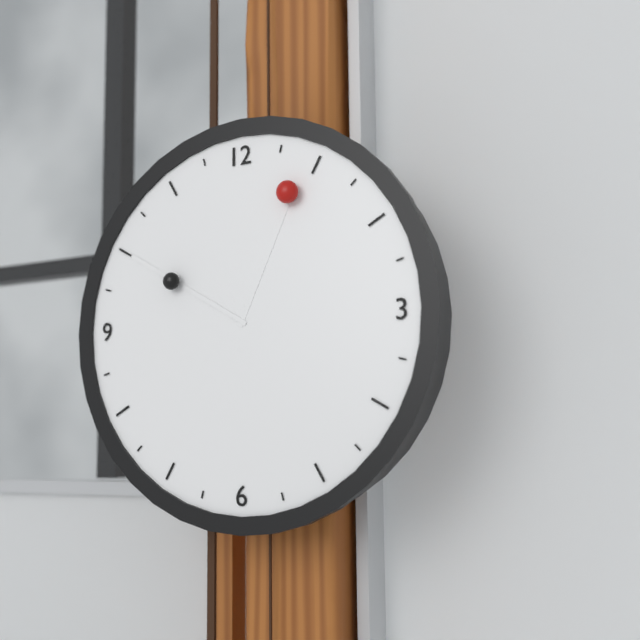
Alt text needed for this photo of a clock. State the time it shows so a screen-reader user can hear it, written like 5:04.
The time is 12:50
